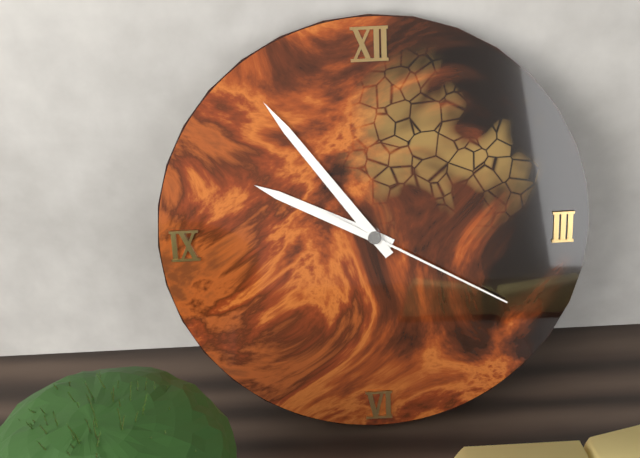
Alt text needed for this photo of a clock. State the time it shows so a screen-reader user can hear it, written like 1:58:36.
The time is 9:54:20
